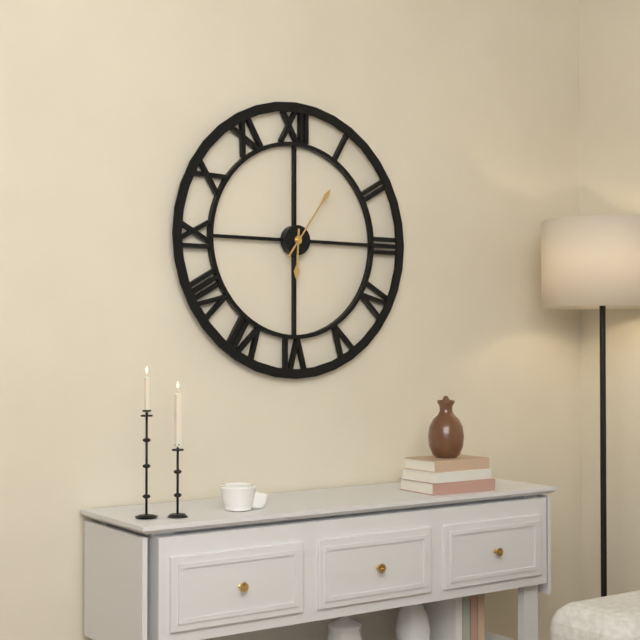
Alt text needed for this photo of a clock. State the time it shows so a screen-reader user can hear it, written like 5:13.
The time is 6:06
